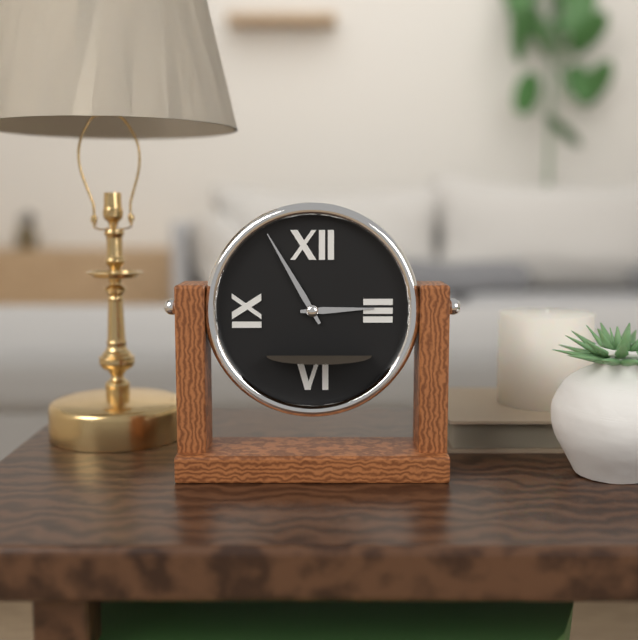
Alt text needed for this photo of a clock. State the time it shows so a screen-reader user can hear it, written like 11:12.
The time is 2:55
